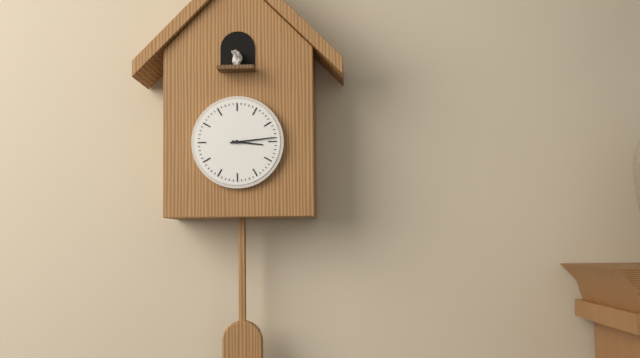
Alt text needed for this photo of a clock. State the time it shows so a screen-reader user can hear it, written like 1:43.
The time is 3:14
